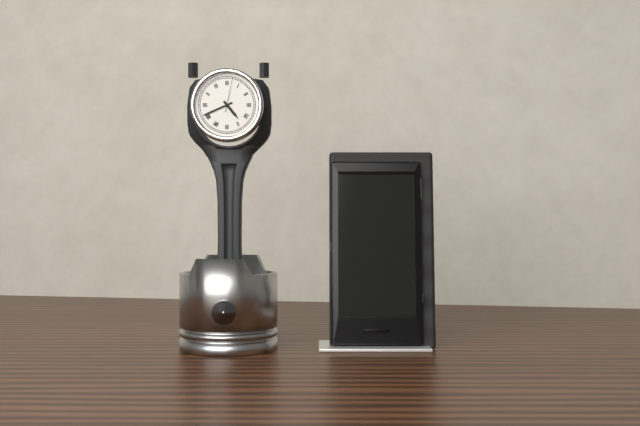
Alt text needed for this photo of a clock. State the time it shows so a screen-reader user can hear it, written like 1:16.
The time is 4:41
